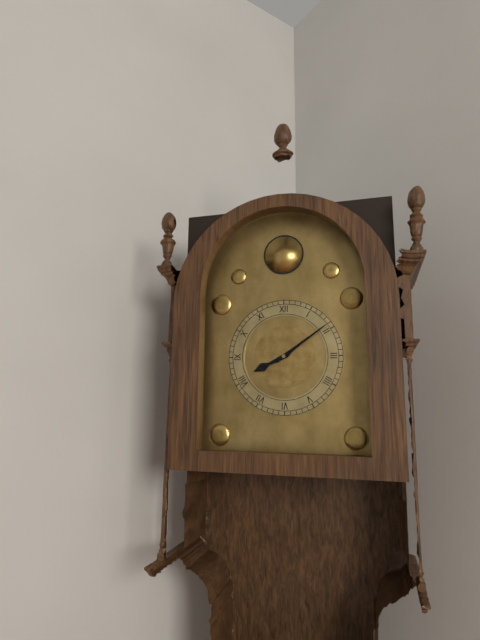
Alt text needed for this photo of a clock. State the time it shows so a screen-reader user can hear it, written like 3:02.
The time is 8:09
